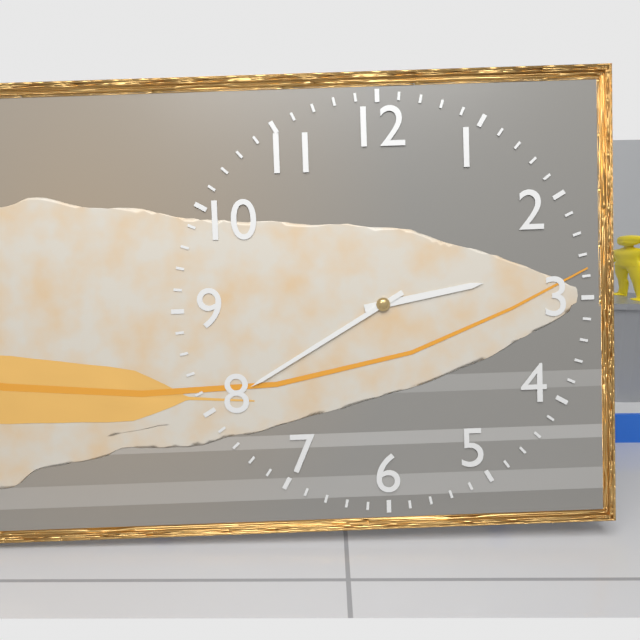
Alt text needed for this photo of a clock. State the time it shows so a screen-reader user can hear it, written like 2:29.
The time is 2:40
